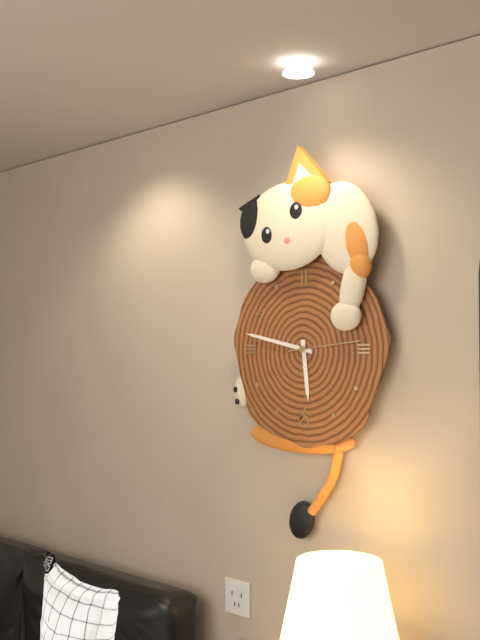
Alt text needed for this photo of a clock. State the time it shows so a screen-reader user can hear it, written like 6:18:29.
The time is 5:47:14
